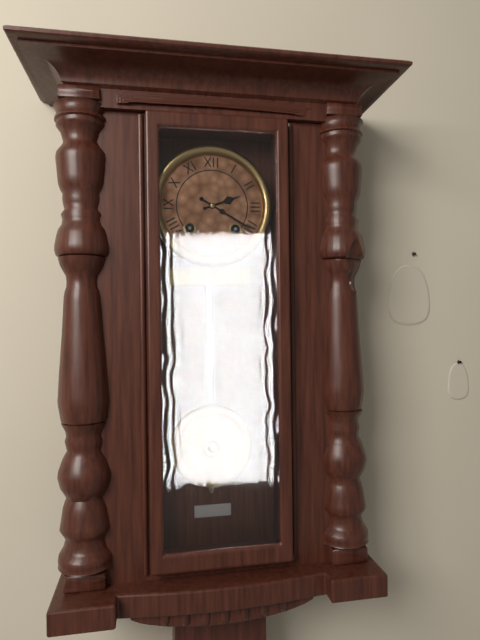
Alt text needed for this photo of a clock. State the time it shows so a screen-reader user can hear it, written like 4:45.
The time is 2:20
